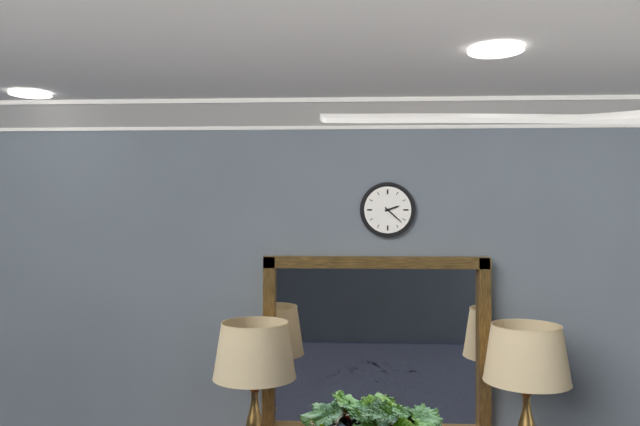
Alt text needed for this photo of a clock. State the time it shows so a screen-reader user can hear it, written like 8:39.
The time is 2:22
